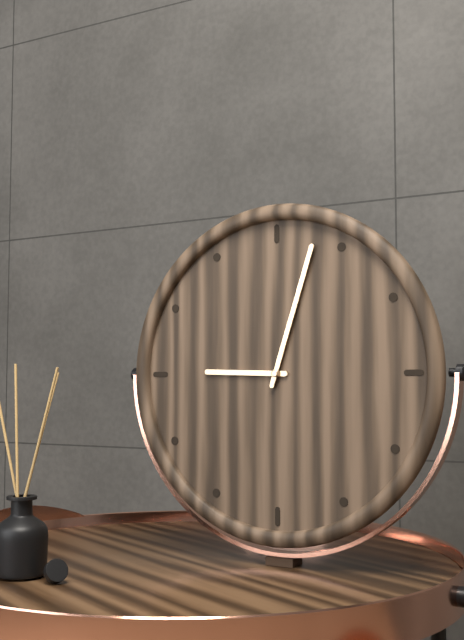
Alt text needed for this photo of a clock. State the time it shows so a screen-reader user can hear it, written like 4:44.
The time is 9:03
